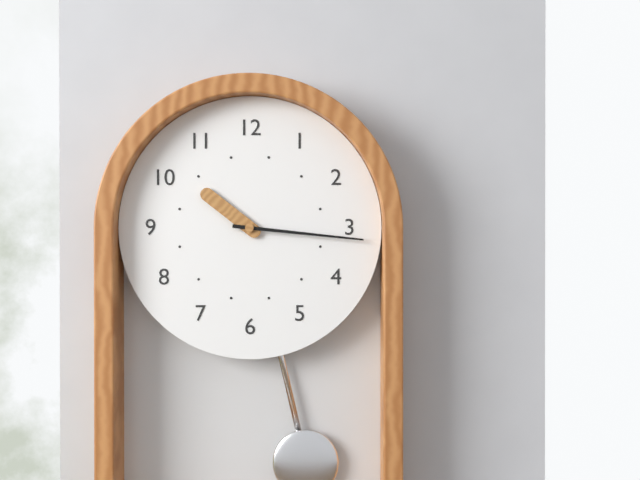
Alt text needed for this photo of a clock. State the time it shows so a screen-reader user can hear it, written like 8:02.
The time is 10:16
